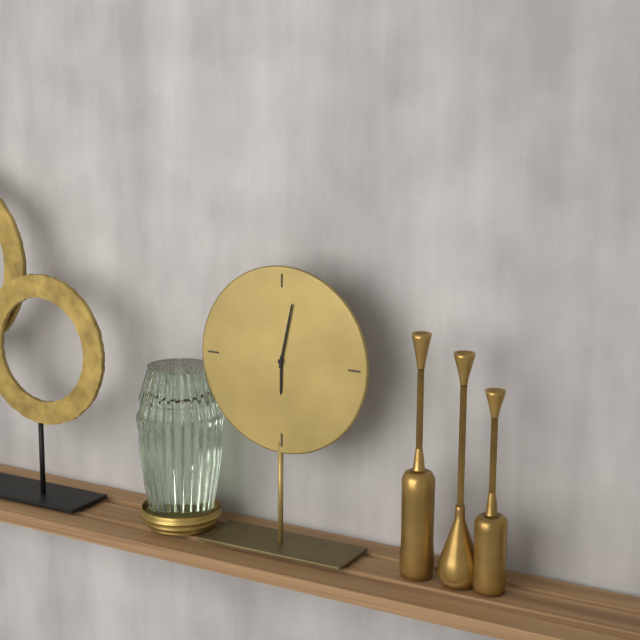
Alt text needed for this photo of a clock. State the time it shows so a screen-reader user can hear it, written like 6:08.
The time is 6:02
